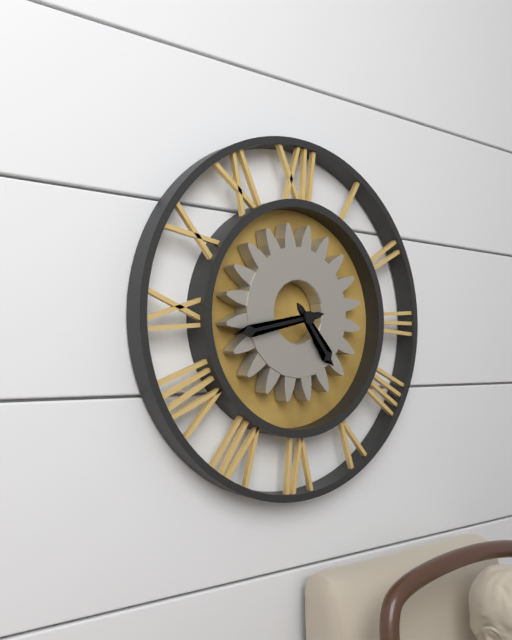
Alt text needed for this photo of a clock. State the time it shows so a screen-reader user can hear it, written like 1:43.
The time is 4:43
